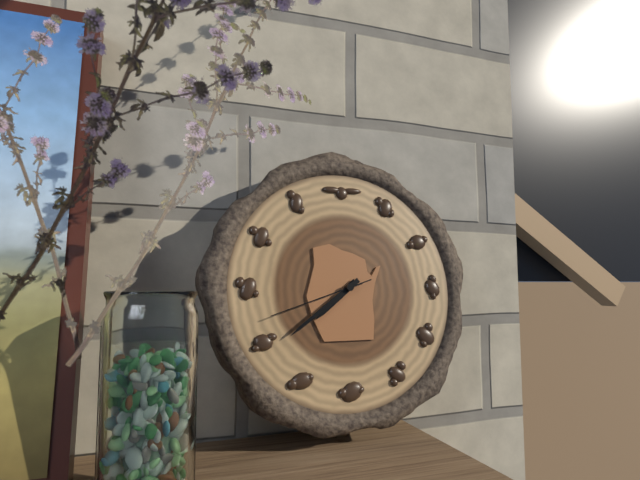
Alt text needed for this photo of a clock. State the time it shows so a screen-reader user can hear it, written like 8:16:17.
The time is 7:39:42
